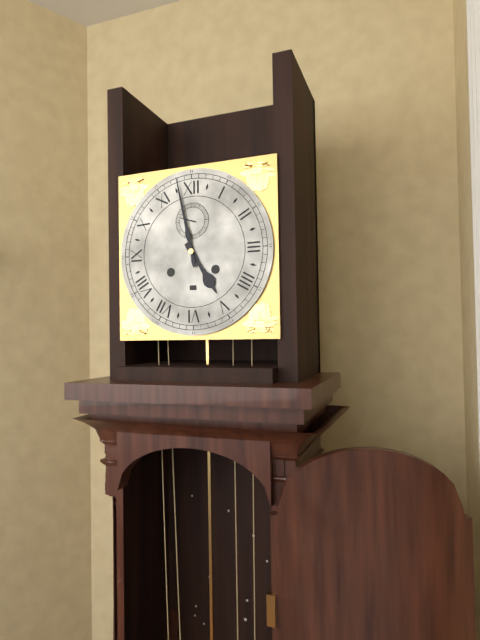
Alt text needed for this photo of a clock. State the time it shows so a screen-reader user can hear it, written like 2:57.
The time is 4:58
